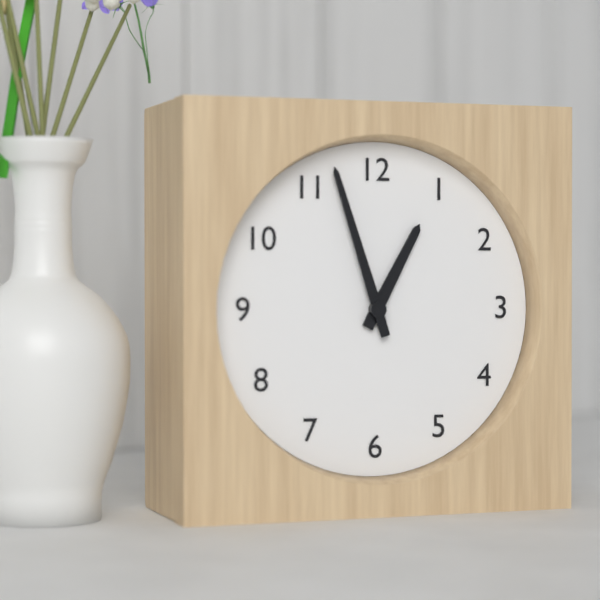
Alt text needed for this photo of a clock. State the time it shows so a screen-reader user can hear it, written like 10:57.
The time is 12:57
